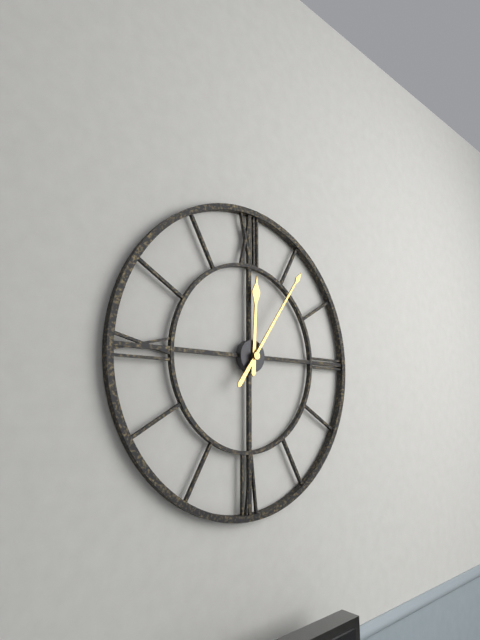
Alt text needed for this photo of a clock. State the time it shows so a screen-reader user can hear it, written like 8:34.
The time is 12:06
